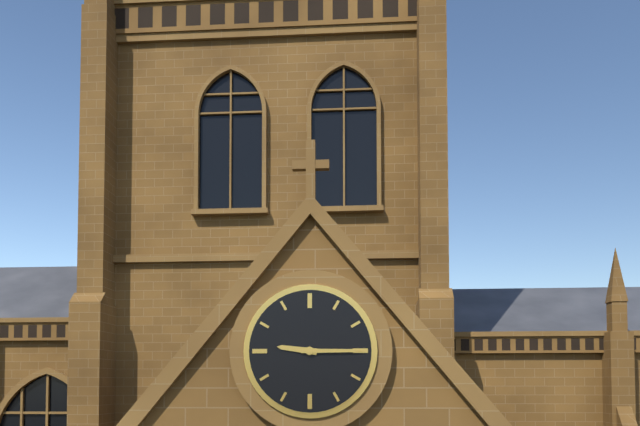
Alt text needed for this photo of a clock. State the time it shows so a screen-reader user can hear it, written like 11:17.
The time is 9:15
